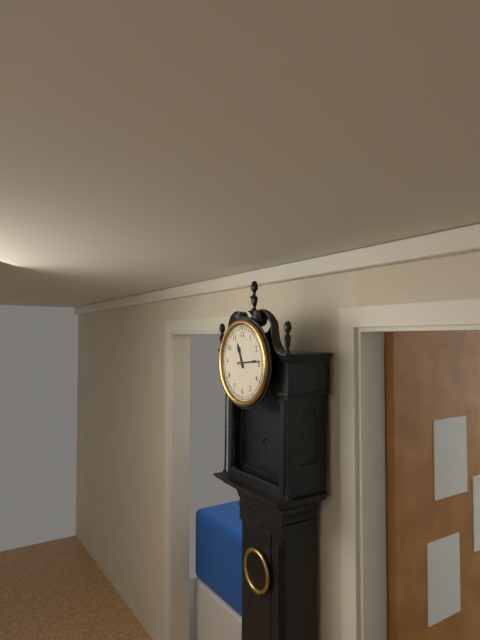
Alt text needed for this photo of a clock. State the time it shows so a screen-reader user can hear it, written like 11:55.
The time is 11:14
